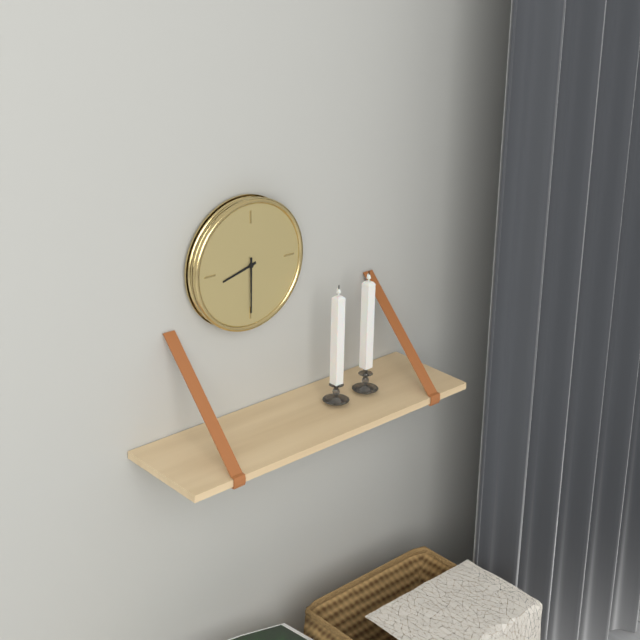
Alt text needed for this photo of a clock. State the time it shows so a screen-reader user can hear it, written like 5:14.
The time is 8:30
